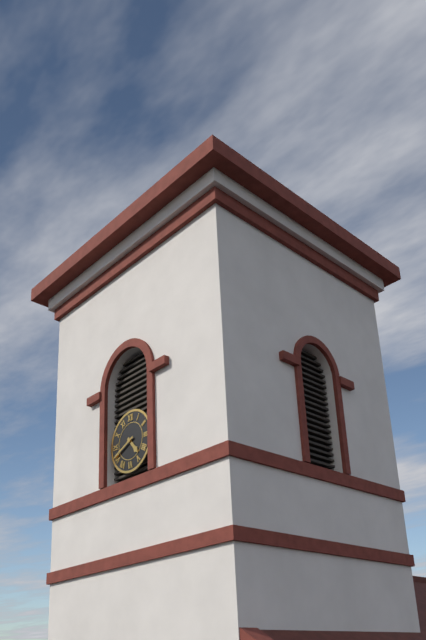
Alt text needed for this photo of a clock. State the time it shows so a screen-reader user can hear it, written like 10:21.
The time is 4:41
